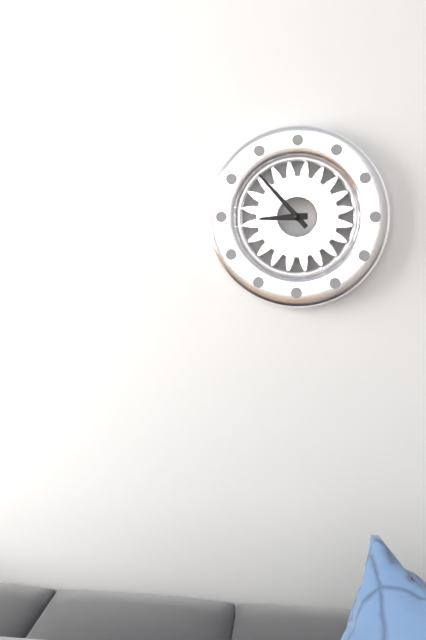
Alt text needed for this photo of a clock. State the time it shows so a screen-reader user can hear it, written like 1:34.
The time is 8:53
